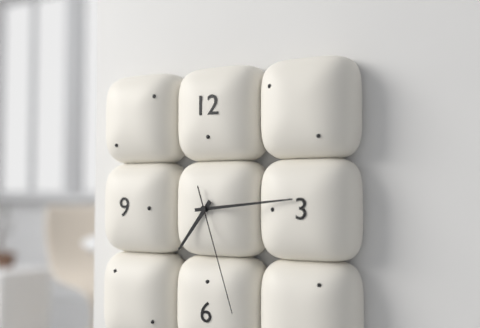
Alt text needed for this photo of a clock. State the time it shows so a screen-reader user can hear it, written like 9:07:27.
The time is 7:14:27
